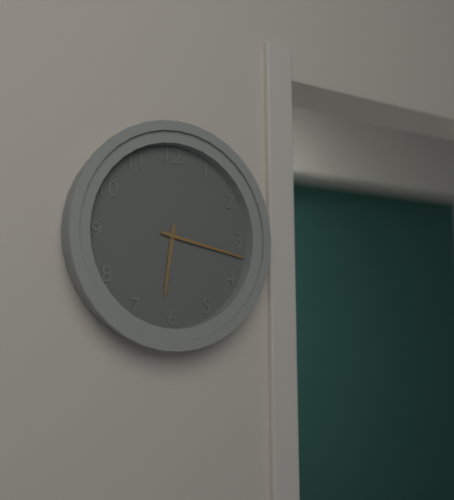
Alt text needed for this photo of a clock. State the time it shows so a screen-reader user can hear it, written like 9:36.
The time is 6:17
